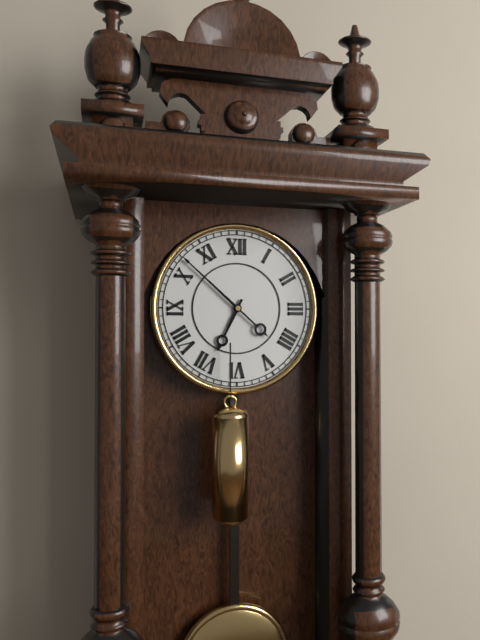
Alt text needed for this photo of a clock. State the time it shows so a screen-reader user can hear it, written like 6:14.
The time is 6:52
